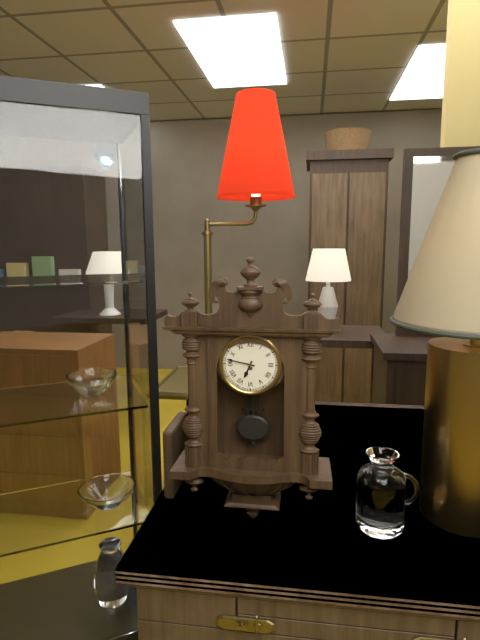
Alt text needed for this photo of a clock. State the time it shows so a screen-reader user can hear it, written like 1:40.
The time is 6:47
